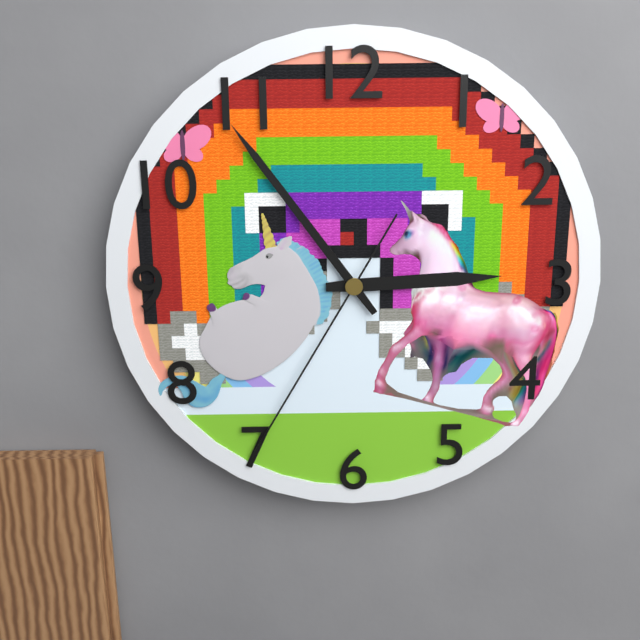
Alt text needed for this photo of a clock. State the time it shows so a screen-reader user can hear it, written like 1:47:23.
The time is 2:54:35
